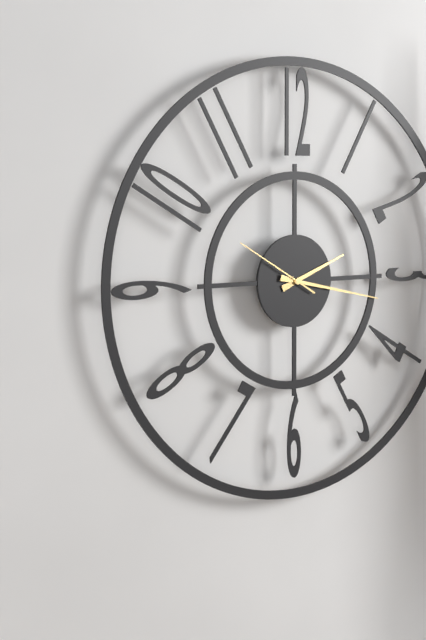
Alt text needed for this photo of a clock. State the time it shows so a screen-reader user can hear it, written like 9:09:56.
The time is 2:17:50
